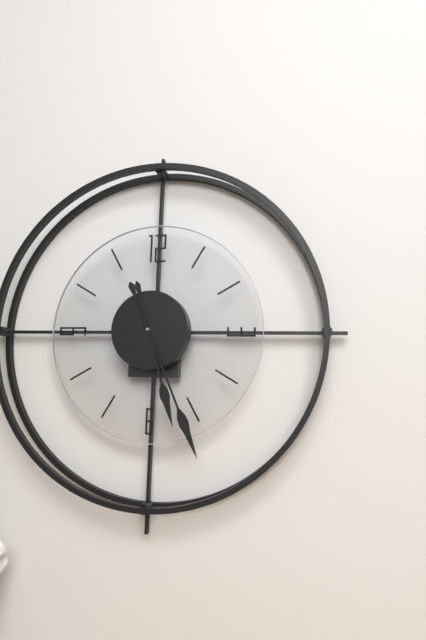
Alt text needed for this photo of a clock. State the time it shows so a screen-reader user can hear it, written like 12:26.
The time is 5:26
